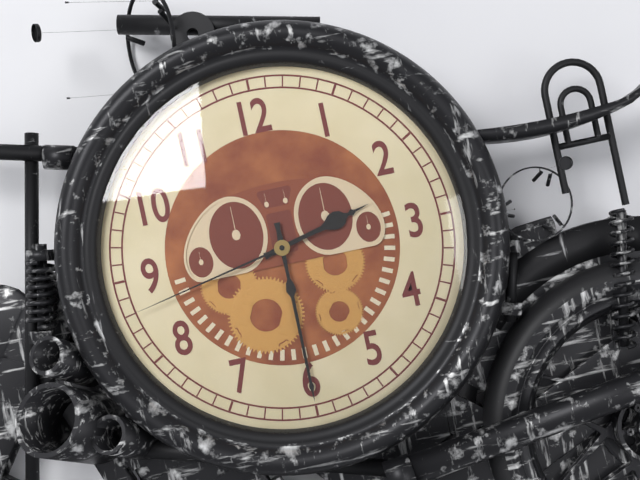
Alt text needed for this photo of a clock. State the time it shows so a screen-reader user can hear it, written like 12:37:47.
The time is 2:30:43
